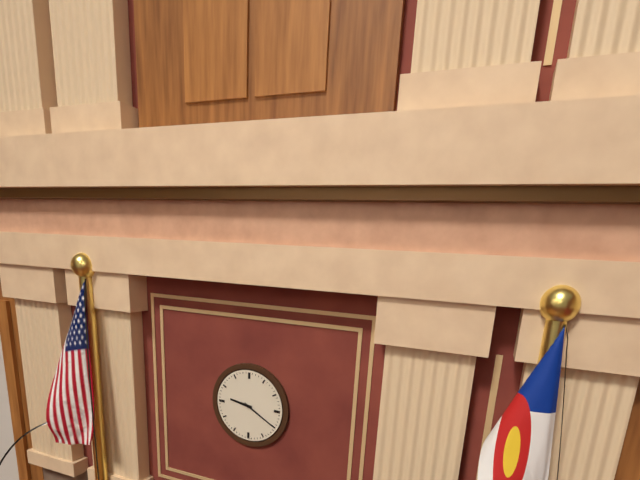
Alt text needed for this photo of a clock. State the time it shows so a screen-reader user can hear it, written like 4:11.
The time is 9:20
